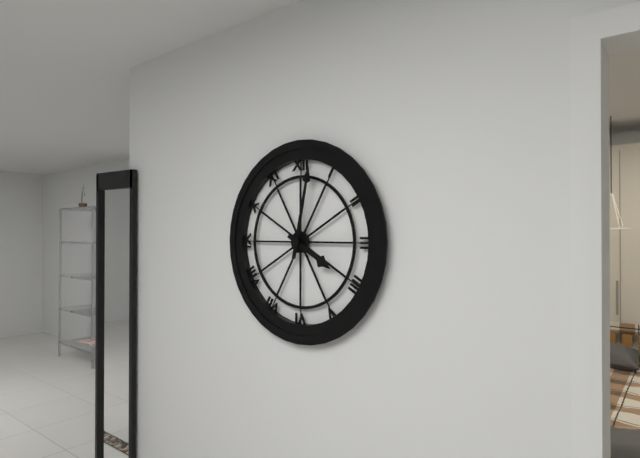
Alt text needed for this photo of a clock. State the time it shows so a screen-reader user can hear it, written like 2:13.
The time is 4:02
